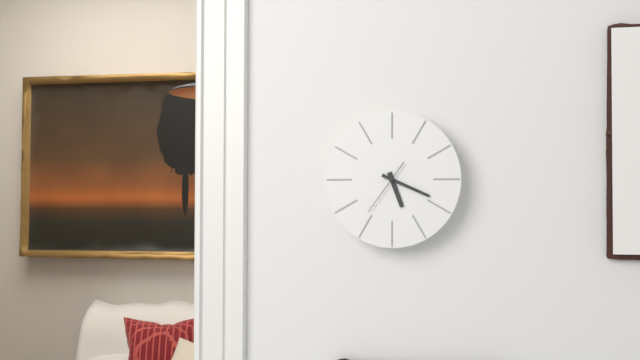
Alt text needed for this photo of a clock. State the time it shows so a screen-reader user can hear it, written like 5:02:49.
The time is 5:19:36
